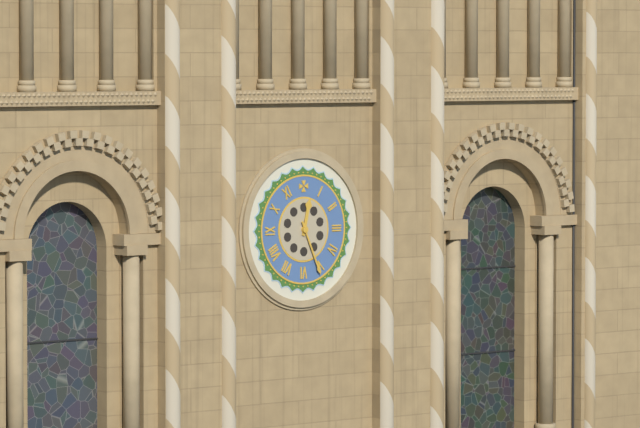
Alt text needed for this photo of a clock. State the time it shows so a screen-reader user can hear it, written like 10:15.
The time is 12:26
